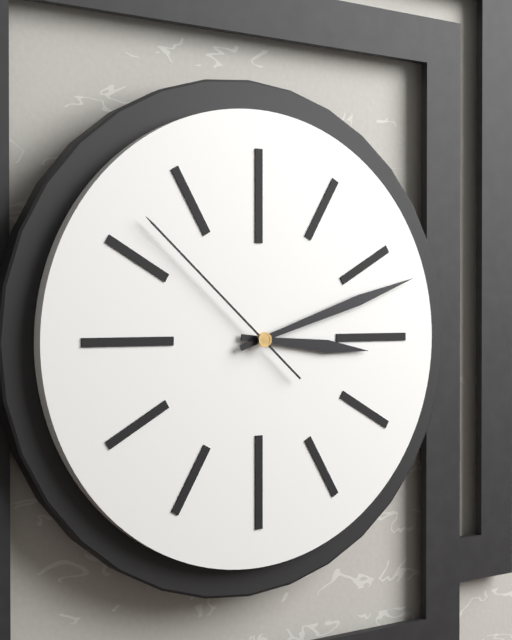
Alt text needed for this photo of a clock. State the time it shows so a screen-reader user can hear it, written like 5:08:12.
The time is 3:12:52
